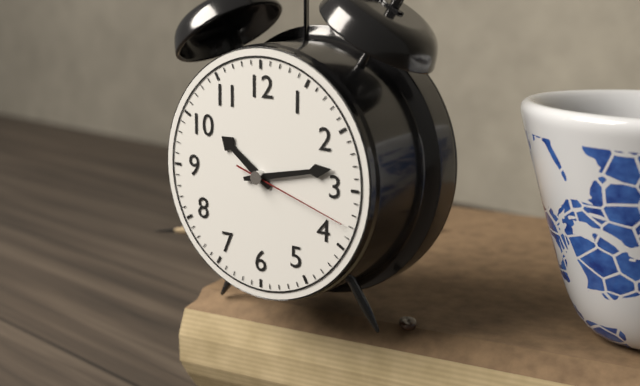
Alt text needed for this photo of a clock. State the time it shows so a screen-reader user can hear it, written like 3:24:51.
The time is 10:13:18
